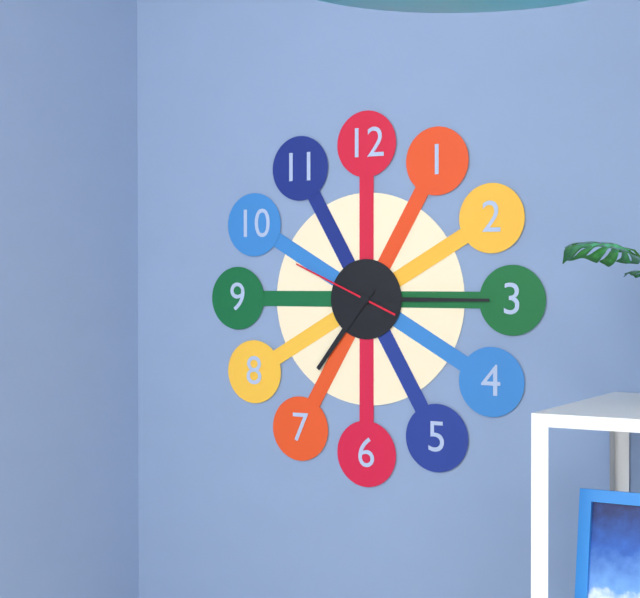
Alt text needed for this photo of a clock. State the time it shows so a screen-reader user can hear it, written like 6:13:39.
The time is 7:15:49
